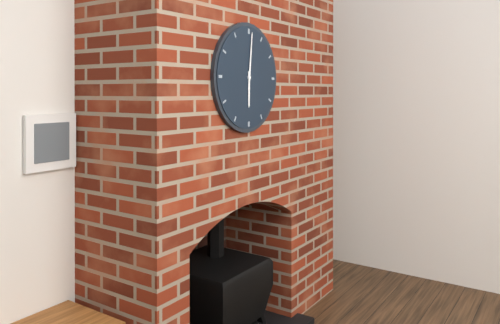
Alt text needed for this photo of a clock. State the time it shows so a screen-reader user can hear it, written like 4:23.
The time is 6:01
